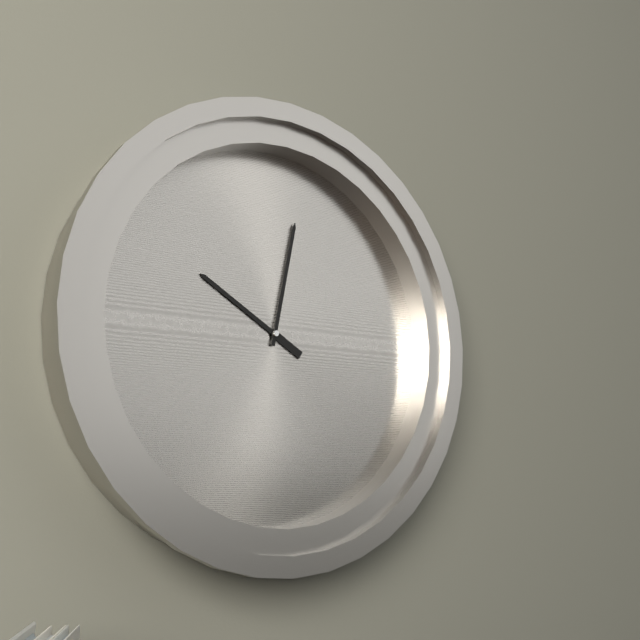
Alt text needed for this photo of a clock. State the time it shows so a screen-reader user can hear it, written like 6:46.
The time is 10:02
